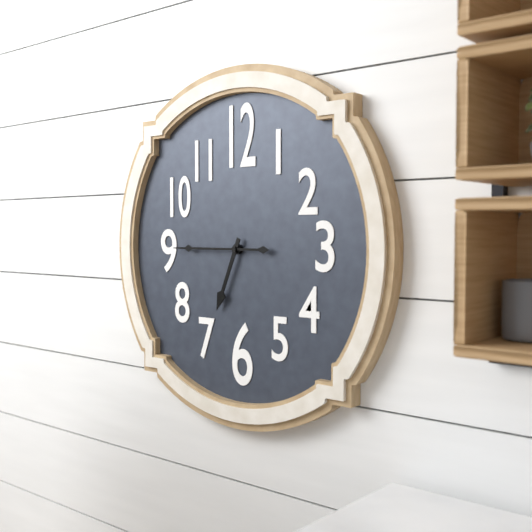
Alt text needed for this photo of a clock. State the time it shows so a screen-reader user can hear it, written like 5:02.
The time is 6:45
